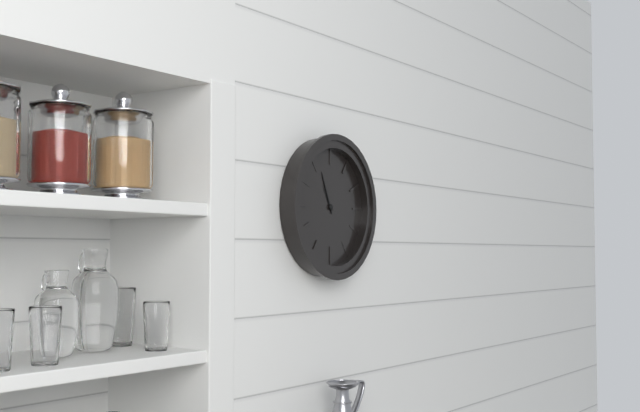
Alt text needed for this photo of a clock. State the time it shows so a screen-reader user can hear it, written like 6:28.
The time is 10:56
